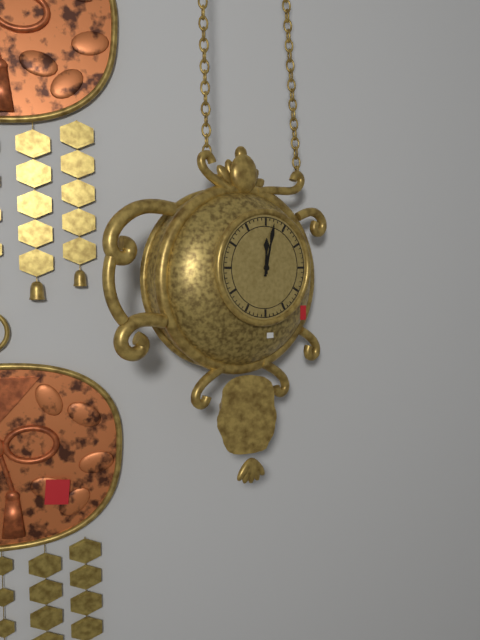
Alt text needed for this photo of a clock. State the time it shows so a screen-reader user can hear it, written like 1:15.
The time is 12:02
